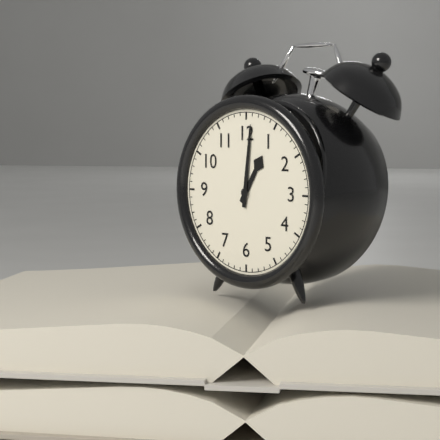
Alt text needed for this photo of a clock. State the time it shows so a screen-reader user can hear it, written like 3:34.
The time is 1:01
